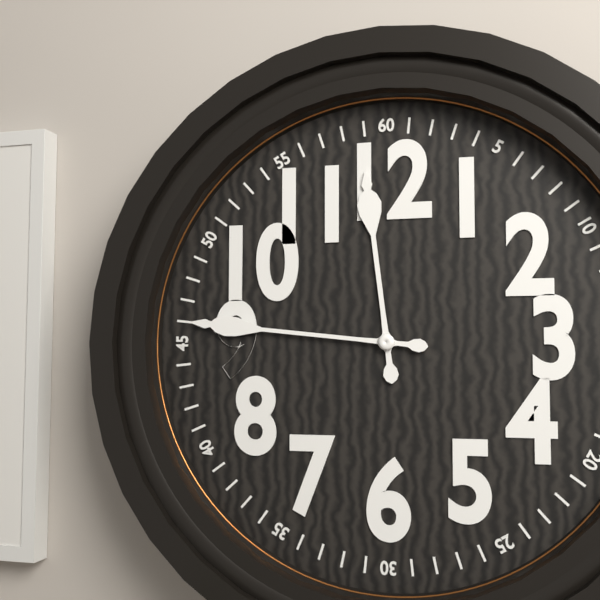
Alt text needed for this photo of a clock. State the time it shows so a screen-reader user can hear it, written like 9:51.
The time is 11:46
